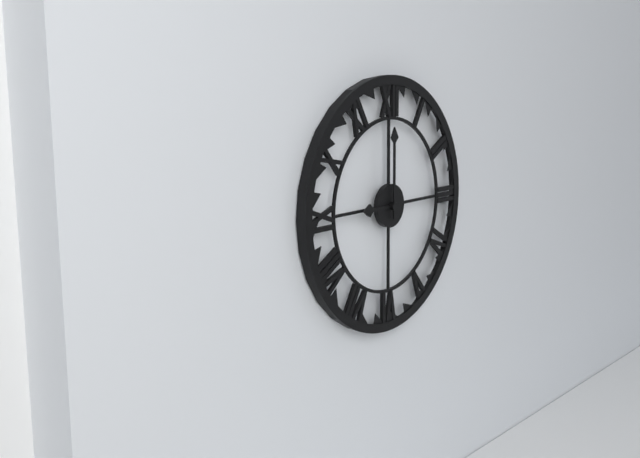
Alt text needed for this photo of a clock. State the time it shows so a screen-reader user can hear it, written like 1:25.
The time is 9:00
